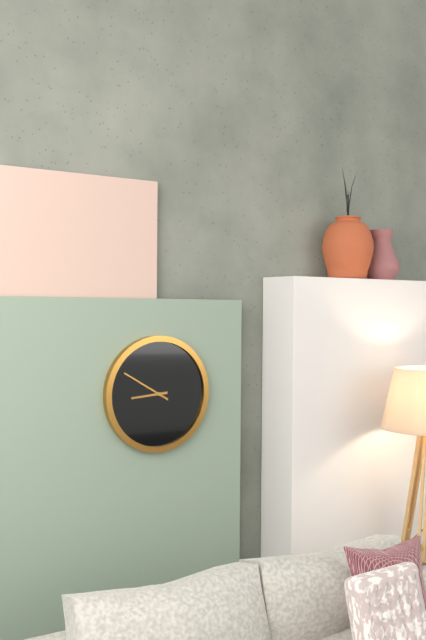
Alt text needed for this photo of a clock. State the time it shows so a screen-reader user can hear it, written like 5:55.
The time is 8:50
